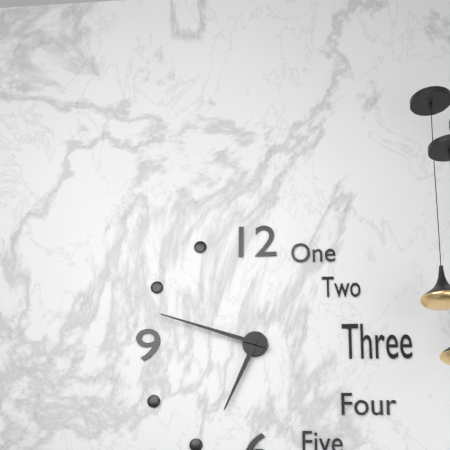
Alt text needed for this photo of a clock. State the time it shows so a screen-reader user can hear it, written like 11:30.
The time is 6:48
